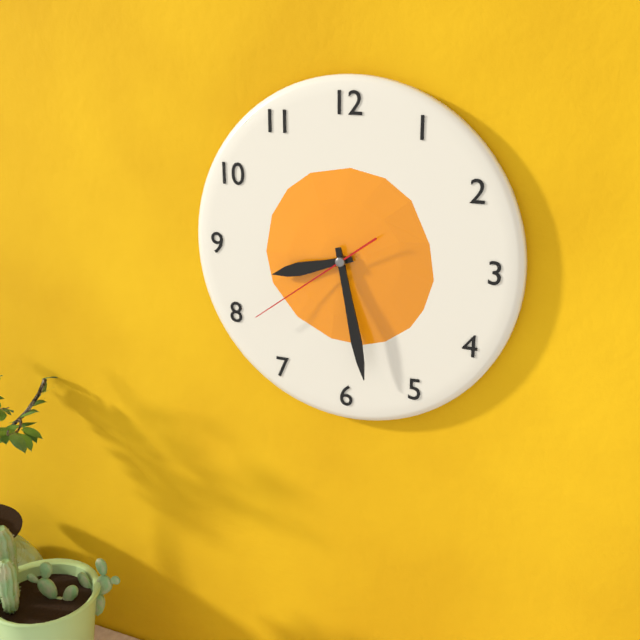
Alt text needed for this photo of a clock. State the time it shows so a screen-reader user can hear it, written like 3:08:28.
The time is 8:28:39
